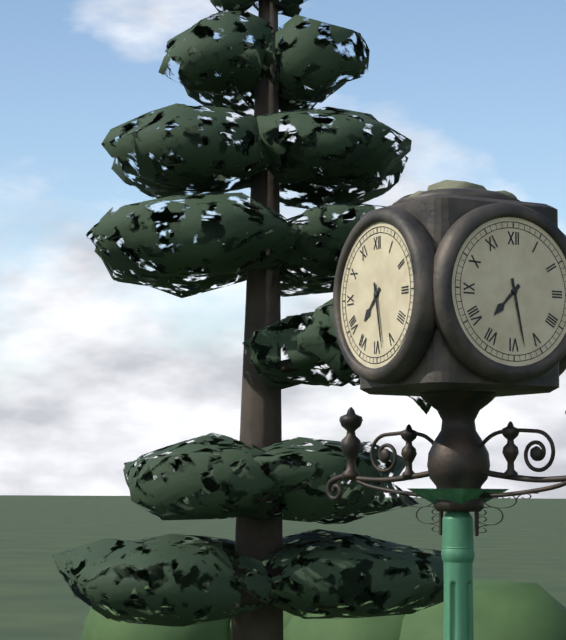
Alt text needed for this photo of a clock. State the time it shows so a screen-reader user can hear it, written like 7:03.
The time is 7:28
